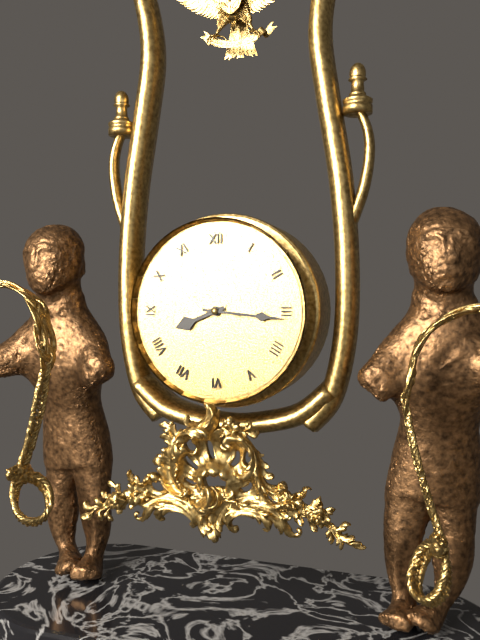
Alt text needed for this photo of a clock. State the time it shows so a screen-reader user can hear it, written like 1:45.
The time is 8:16
